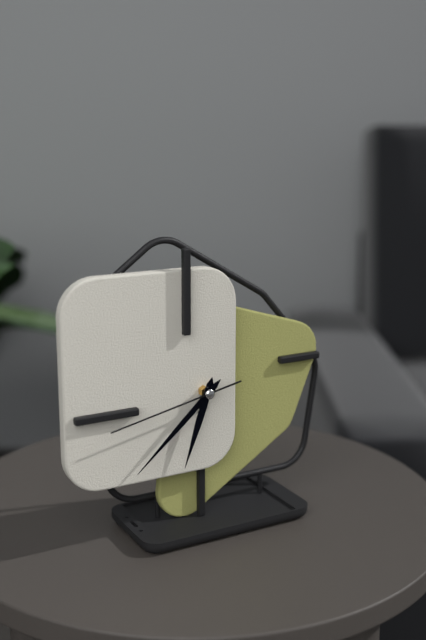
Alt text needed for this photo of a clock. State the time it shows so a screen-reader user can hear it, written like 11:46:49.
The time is 6:38:43
